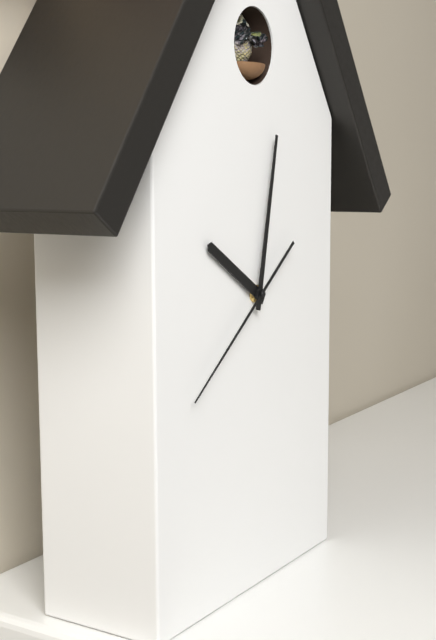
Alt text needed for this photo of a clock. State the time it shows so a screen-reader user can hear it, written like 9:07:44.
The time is 10:02:39
